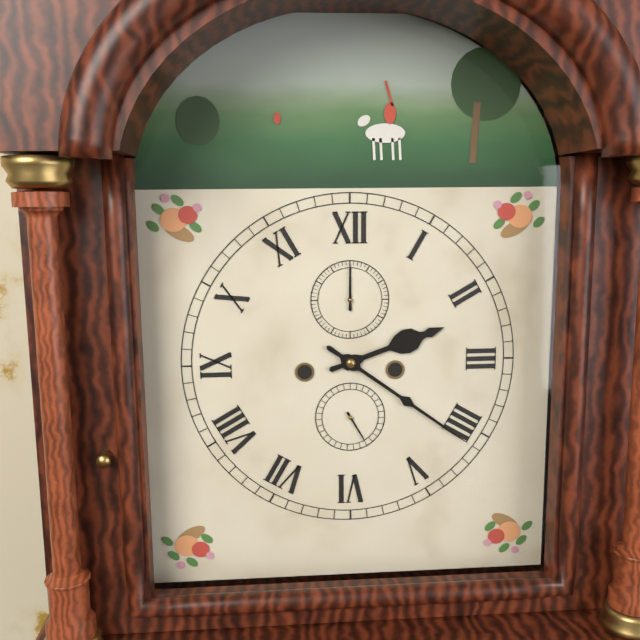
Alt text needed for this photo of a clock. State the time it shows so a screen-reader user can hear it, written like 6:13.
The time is 2:21
